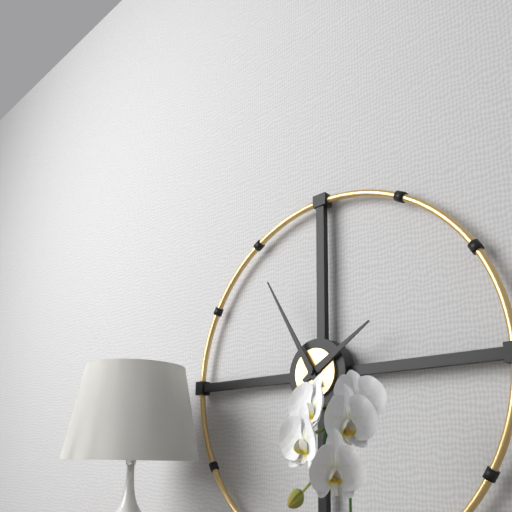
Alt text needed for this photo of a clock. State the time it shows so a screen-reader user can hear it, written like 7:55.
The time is 1:55
